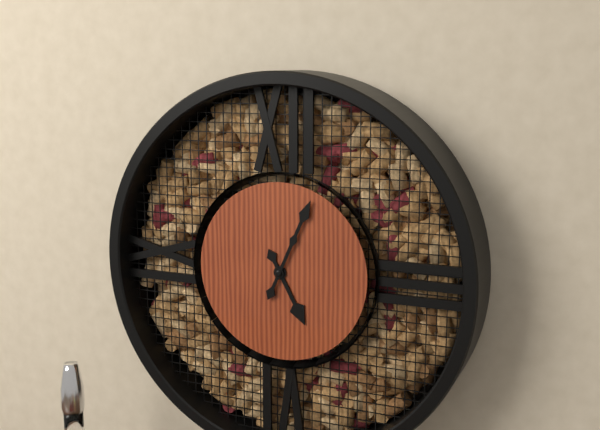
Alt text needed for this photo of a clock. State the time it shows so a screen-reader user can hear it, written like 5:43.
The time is 5:04
